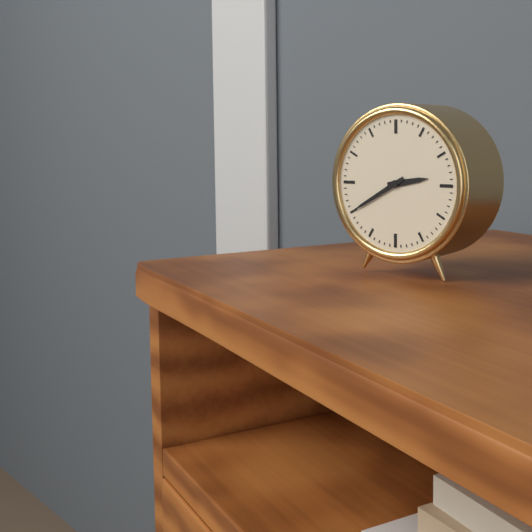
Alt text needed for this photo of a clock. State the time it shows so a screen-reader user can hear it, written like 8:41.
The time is 2:40
